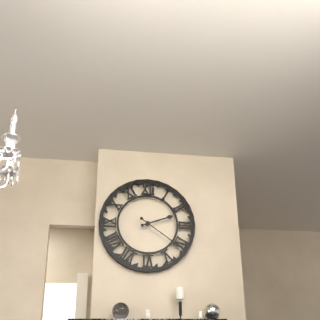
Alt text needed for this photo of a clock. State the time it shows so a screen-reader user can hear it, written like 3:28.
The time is 2:21
